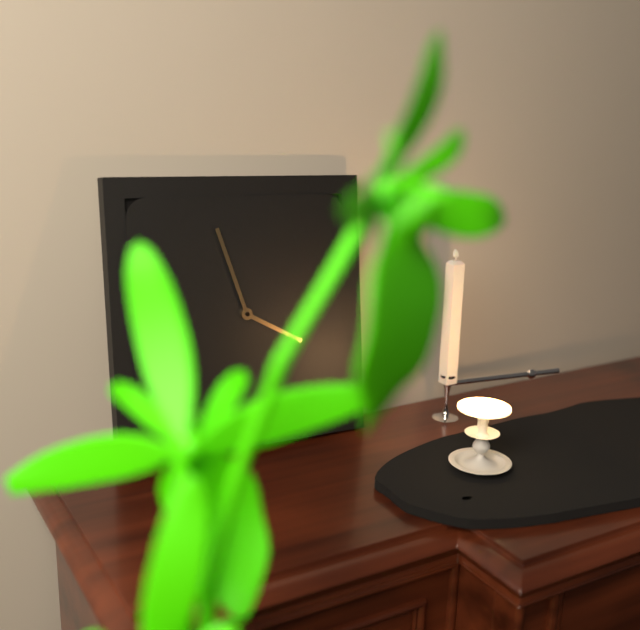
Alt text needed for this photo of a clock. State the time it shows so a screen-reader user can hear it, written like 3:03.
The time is 3:57
